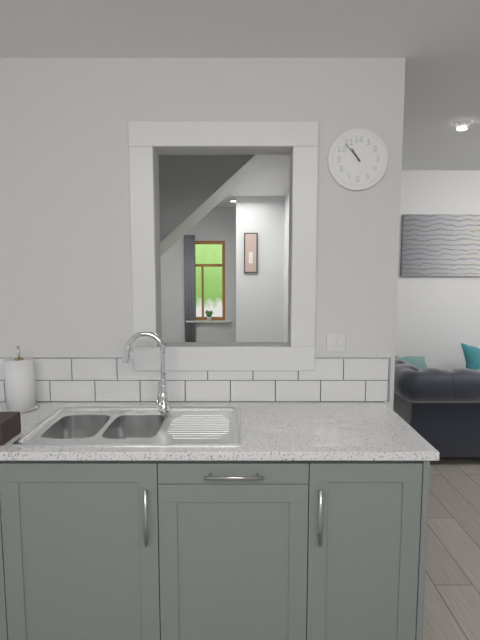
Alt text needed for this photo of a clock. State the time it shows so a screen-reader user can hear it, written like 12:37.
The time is 10:53
